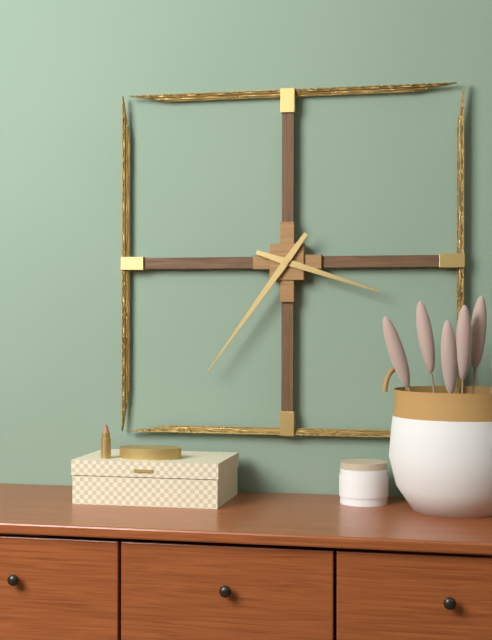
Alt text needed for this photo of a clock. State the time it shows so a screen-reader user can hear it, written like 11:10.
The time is 3:36
